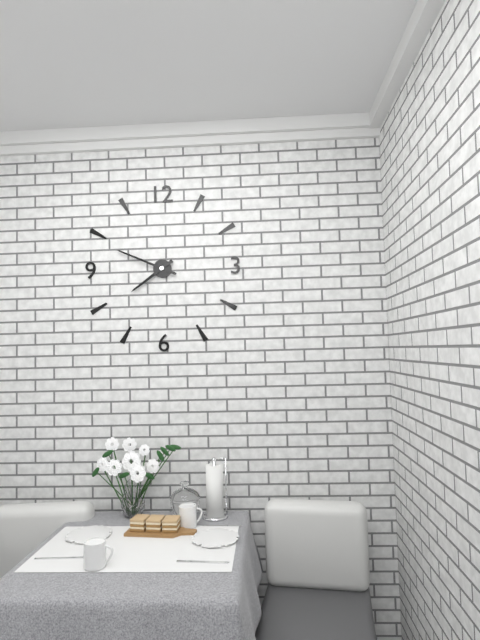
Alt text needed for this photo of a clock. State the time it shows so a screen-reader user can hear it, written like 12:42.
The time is 7:49
